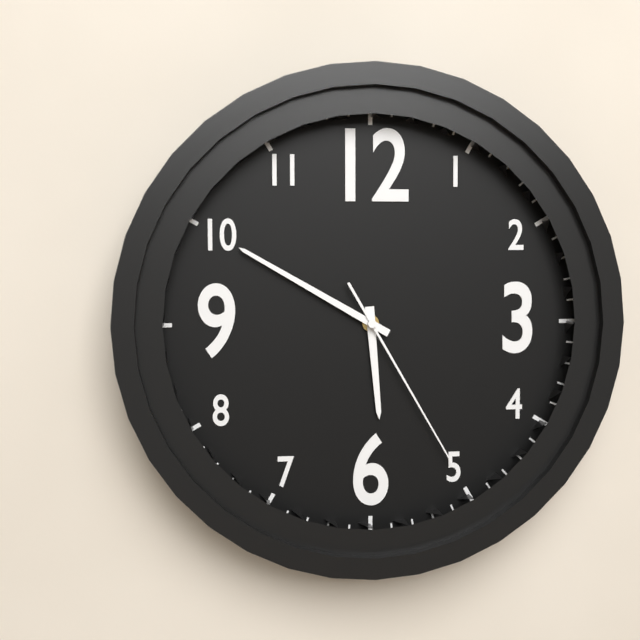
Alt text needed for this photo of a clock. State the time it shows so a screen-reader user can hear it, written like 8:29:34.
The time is 5:50:25
